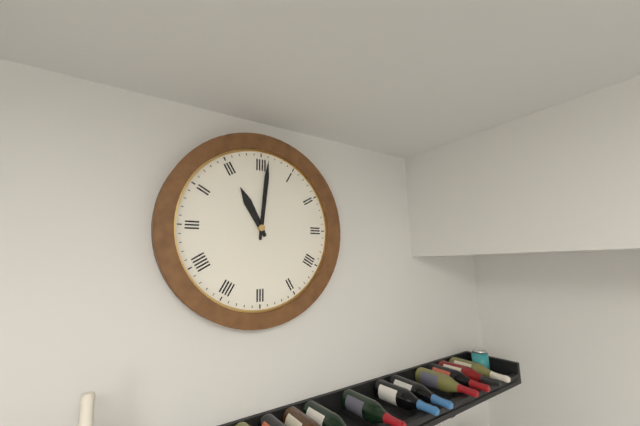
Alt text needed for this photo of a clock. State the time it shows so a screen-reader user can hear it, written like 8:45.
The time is 11:01
